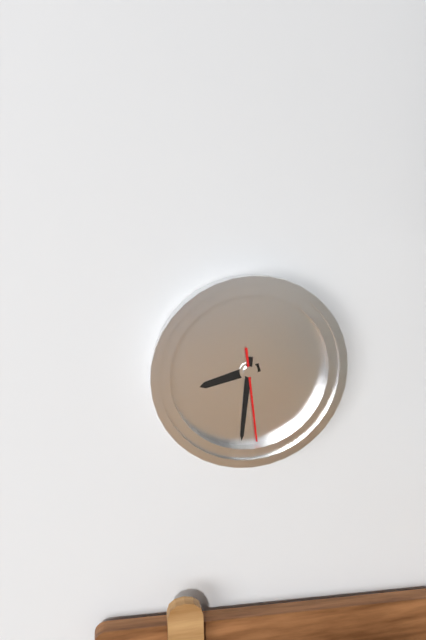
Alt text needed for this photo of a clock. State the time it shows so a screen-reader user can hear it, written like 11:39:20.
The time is 8:31:29
